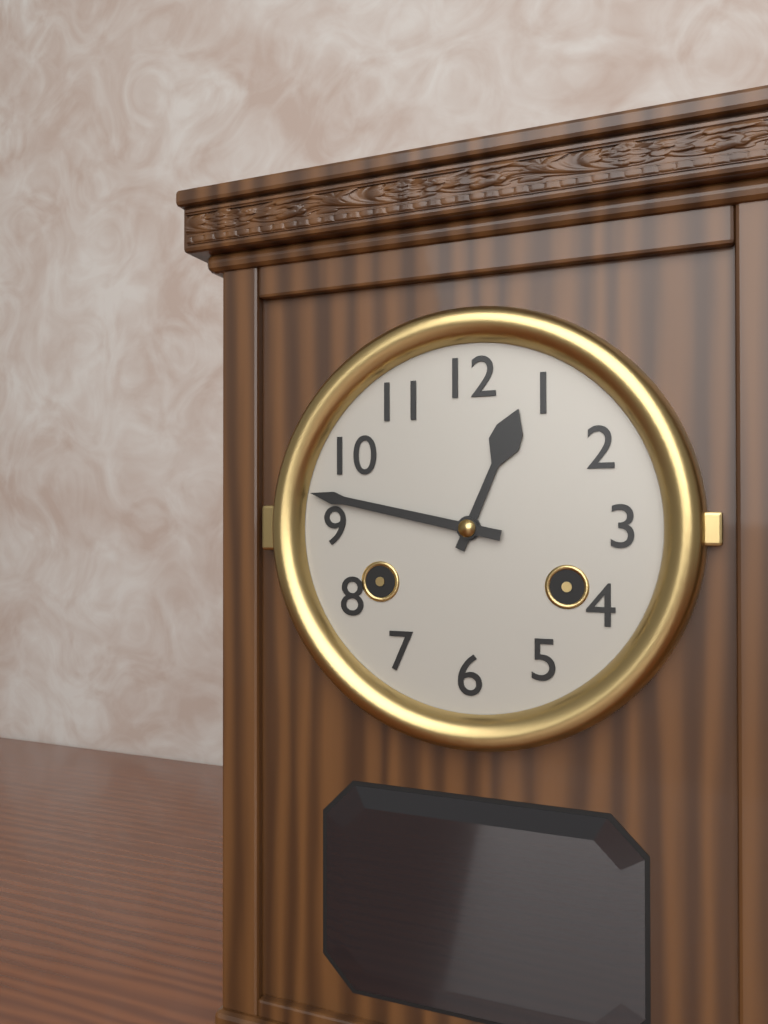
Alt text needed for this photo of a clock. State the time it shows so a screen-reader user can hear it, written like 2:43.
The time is 12:47
